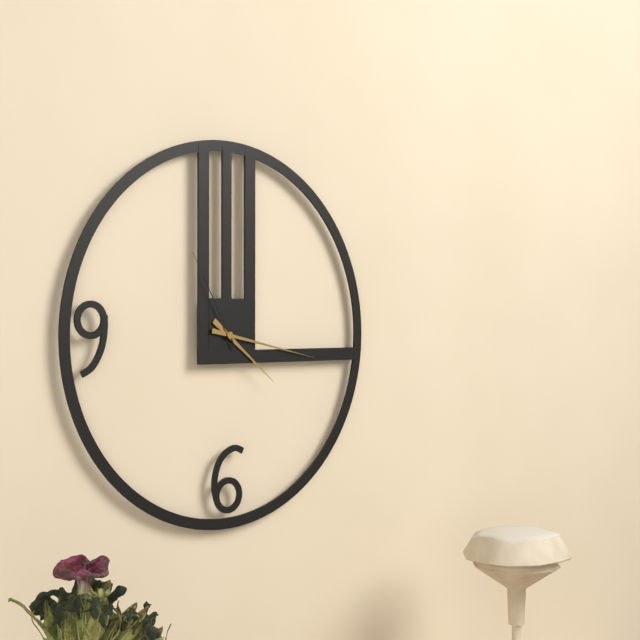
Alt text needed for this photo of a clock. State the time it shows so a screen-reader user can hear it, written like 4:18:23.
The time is 4:17:55
